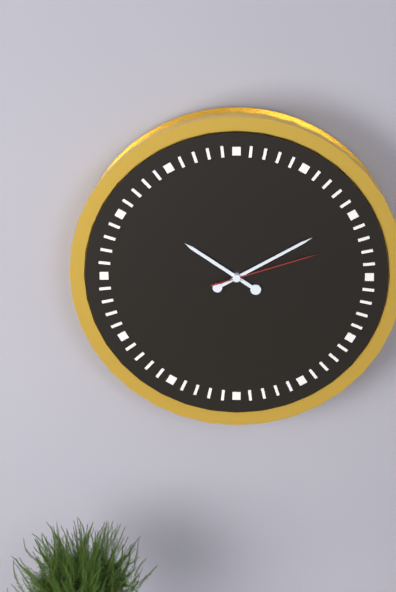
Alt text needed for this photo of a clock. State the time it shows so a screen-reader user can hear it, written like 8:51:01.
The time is 10:10:12
